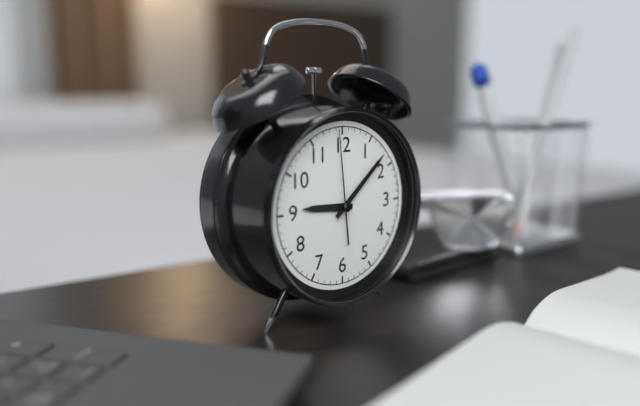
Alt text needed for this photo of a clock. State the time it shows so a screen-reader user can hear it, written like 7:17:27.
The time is 9:08:59
